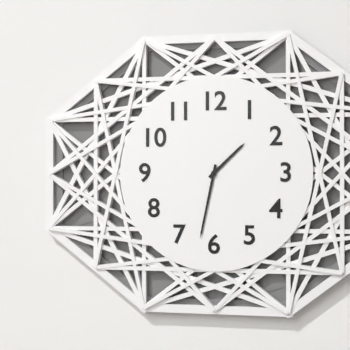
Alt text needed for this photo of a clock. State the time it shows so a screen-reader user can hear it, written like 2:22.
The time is 1:32
